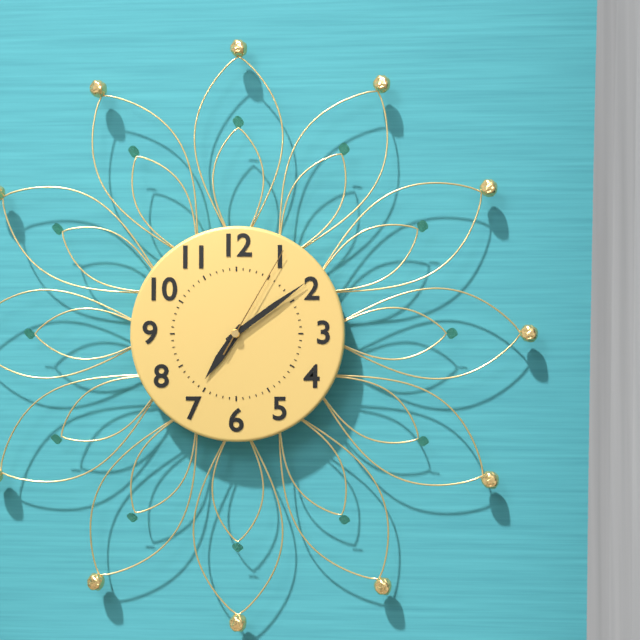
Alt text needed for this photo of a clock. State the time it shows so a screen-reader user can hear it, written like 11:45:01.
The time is 7:09:05
